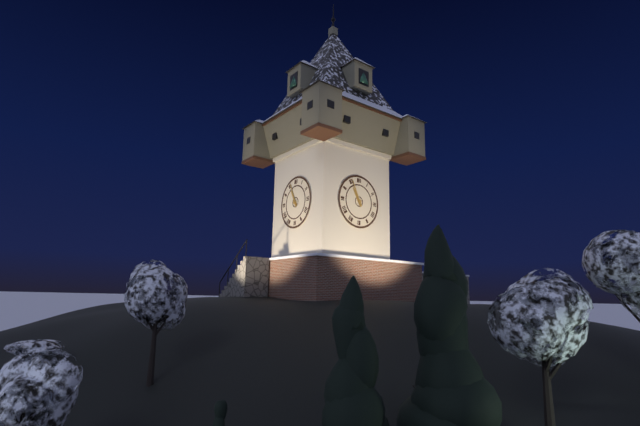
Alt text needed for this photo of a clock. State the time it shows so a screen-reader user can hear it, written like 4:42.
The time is 10:56
